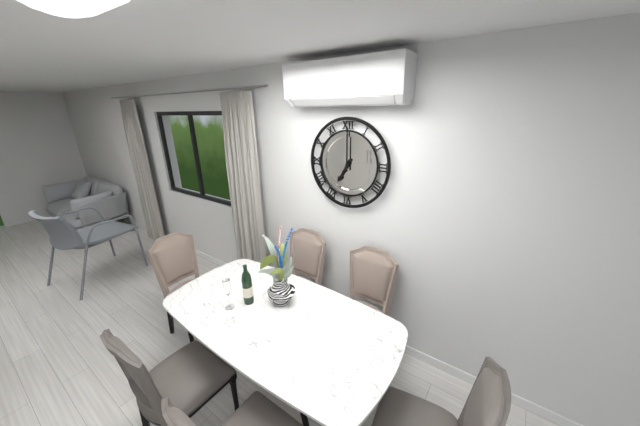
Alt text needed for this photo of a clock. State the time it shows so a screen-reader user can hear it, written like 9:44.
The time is 7:00
